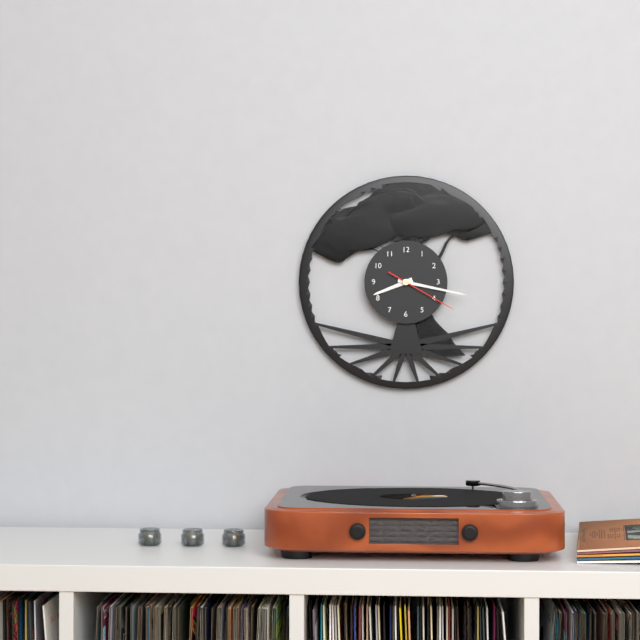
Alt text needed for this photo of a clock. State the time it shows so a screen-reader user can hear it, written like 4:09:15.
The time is 8:17:20
